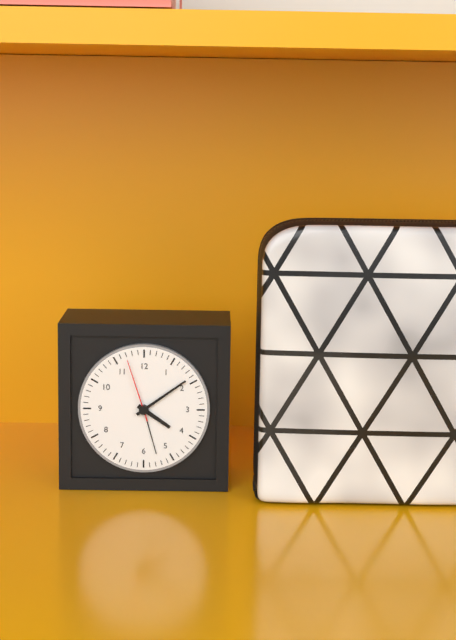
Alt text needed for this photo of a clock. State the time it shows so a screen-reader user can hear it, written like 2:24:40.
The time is 4:09:57
